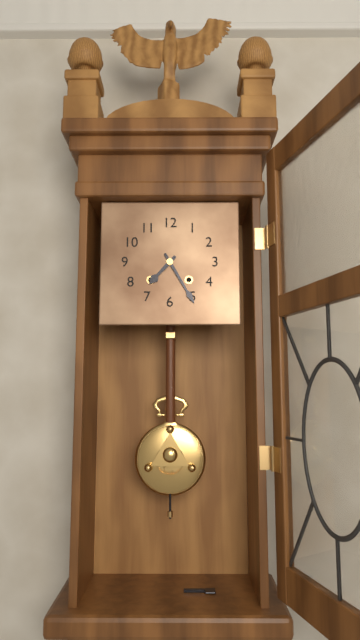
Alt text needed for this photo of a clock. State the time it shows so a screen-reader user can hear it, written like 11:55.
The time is 7:25
